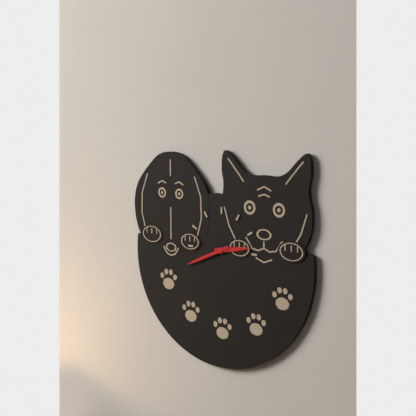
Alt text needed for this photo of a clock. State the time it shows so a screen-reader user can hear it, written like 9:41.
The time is 2:41
